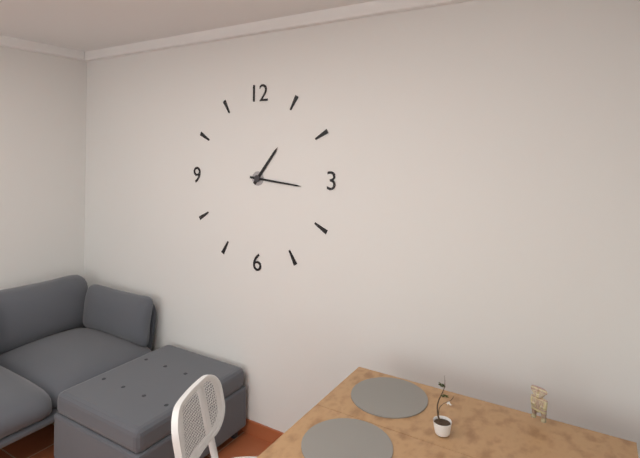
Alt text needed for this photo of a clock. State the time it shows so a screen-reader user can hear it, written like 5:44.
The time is 1:16
